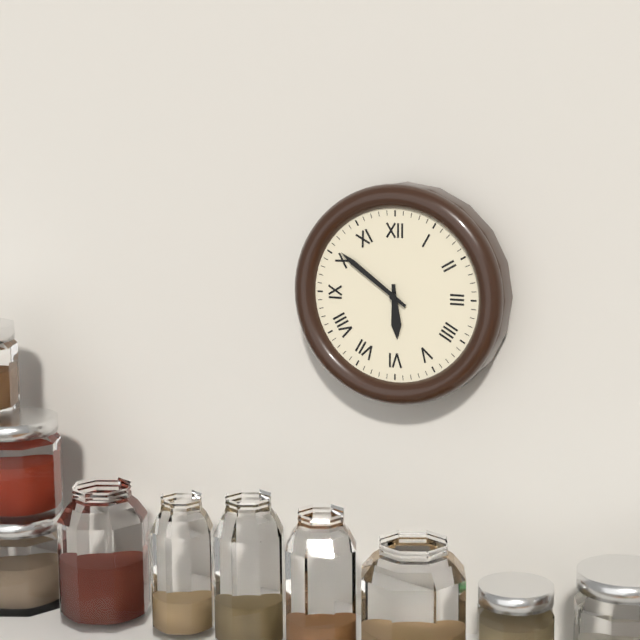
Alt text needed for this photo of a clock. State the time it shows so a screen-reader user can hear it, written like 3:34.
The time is 5:51
